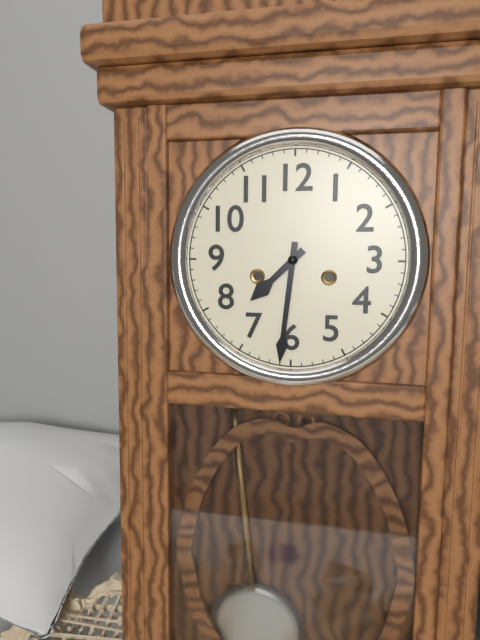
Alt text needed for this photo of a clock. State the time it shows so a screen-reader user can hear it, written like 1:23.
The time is 7:31
